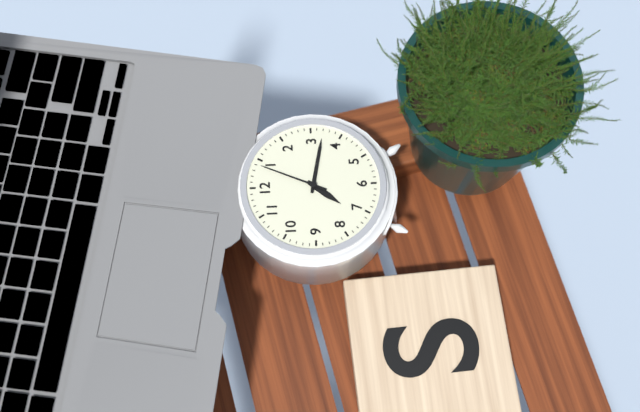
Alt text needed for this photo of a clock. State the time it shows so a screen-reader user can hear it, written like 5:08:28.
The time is 7:17:04
